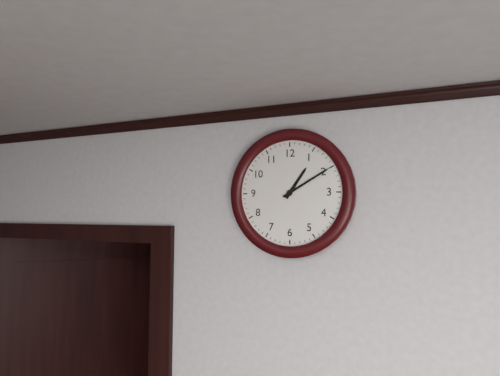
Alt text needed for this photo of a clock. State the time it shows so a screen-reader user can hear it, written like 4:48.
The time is 1:10
